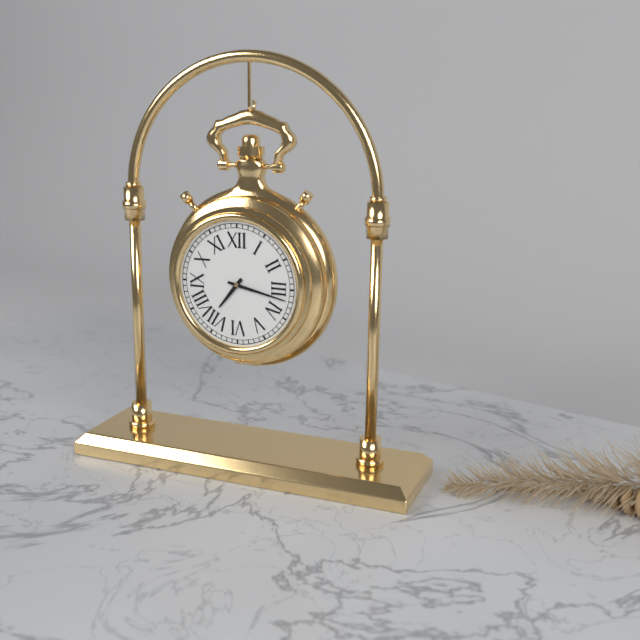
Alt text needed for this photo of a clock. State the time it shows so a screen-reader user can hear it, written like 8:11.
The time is 7:17
